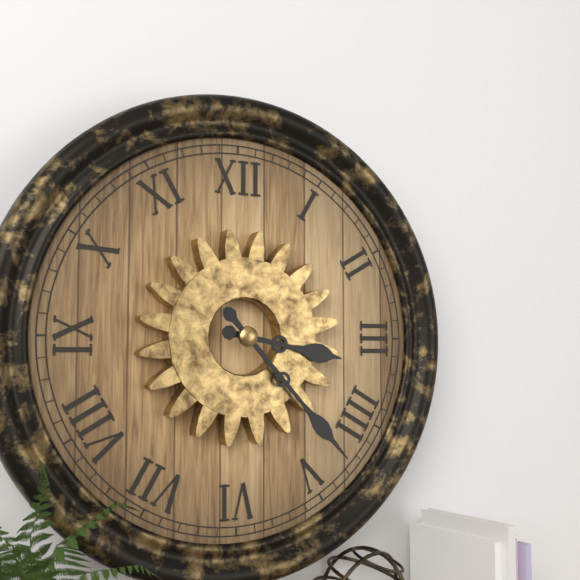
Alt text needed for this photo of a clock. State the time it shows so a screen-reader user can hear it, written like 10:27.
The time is 3:23
